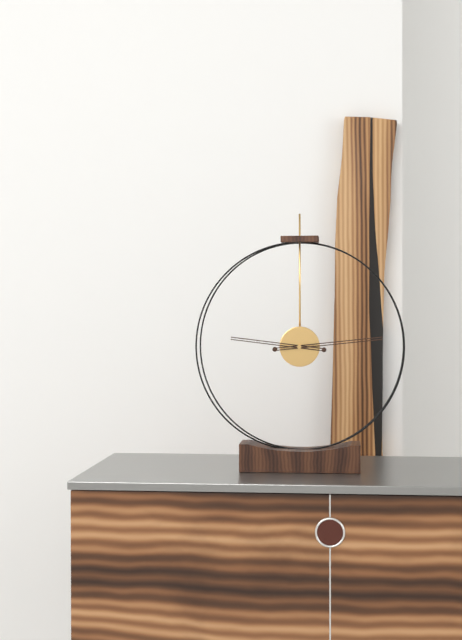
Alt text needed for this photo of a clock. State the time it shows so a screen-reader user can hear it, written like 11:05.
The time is 9:14
